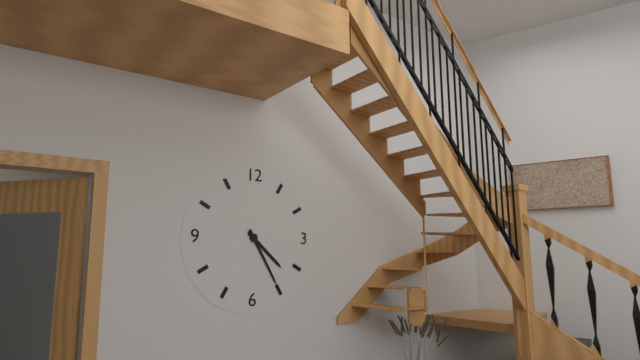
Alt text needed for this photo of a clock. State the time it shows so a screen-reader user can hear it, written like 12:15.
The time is 4:25
